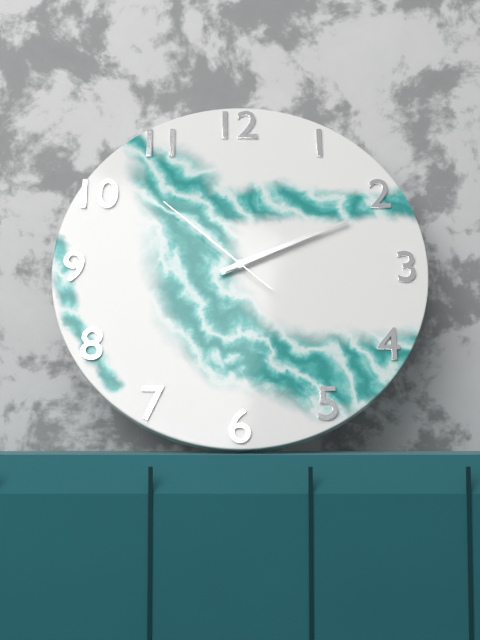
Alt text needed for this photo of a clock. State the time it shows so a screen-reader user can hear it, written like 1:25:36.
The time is 2:11:52
